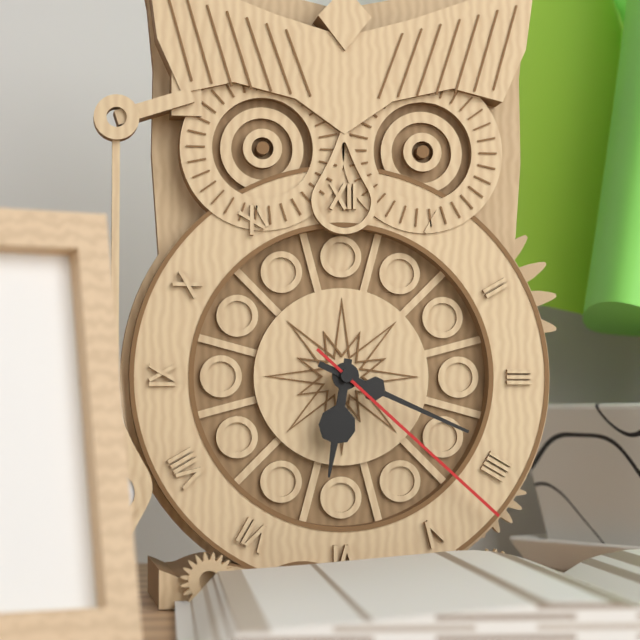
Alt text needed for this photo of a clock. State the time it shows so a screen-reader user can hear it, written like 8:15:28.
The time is 6:19:22
